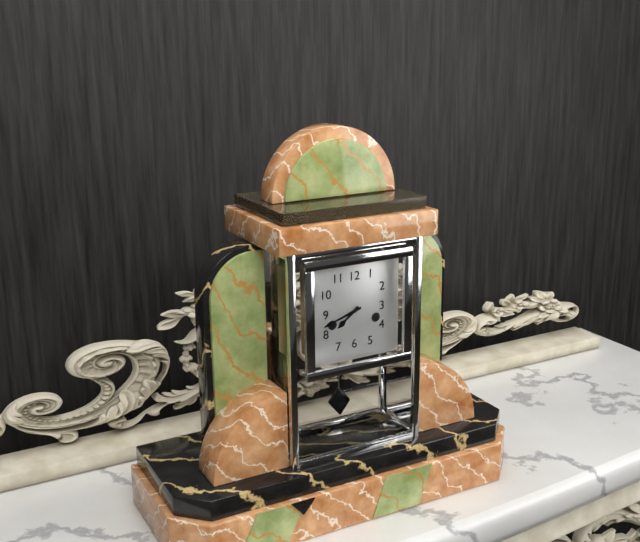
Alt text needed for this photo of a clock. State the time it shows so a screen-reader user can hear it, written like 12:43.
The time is 7:42
